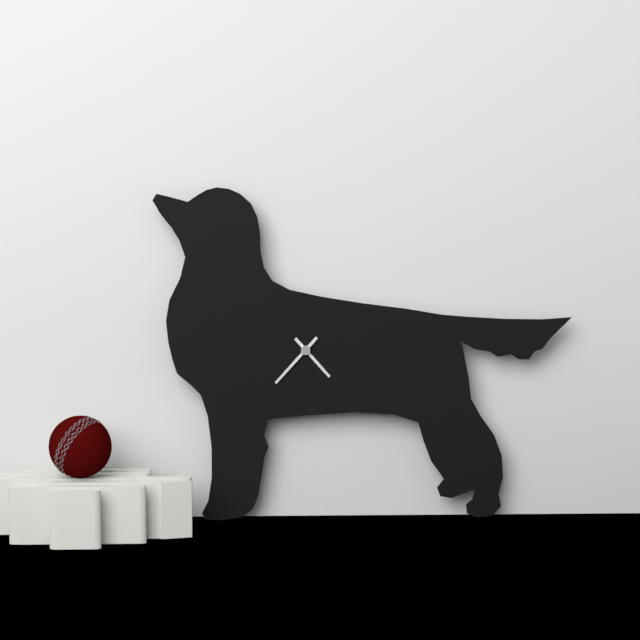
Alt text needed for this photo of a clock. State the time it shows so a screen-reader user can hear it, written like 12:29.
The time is 4:37
